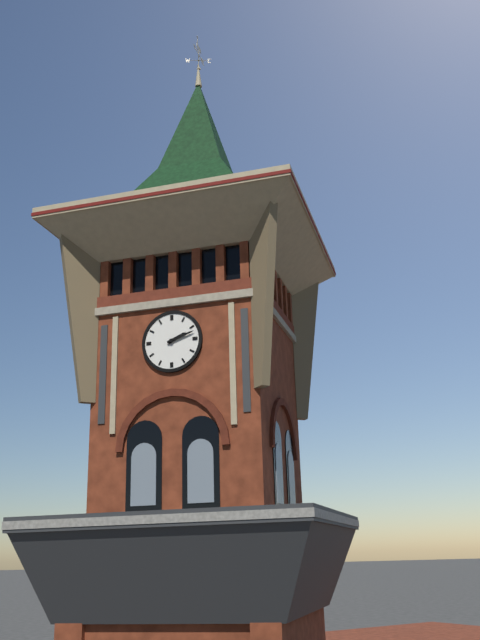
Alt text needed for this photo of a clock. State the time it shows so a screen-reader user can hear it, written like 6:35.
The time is 2:12
